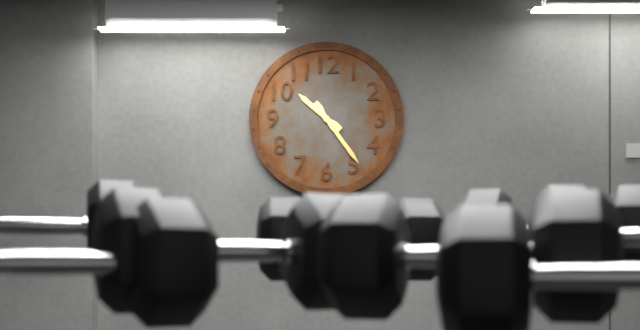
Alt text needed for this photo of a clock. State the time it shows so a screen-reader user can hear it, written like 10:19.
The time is 10:24
